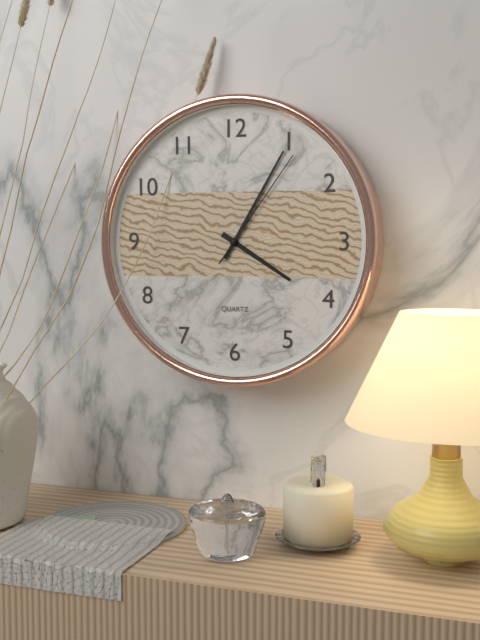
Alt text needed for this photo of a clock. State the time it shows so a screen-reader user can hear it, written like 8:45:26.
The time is 4:05:06
